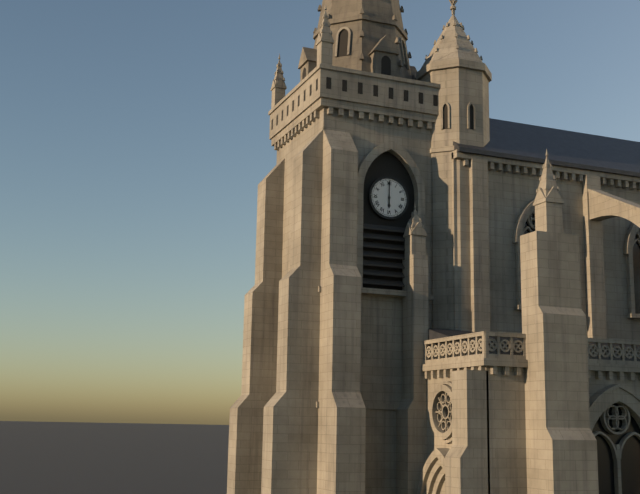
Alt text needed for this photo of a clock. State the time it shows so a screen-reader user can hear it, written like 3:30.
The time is 6:00
